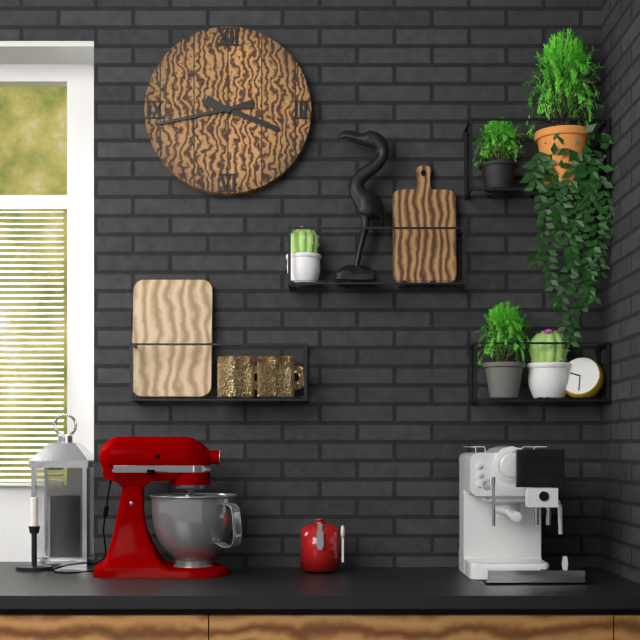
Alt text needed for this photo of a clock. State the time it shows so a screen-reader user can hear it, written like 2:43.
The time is 3:43
